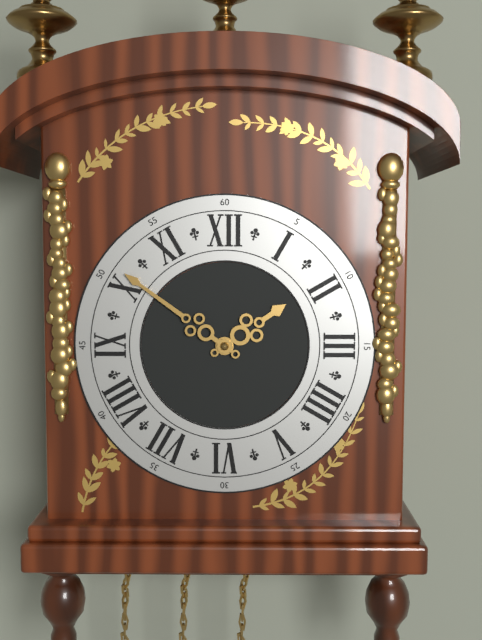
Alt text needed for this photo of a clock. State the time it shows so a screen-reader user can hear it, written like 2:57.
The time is 1:51
